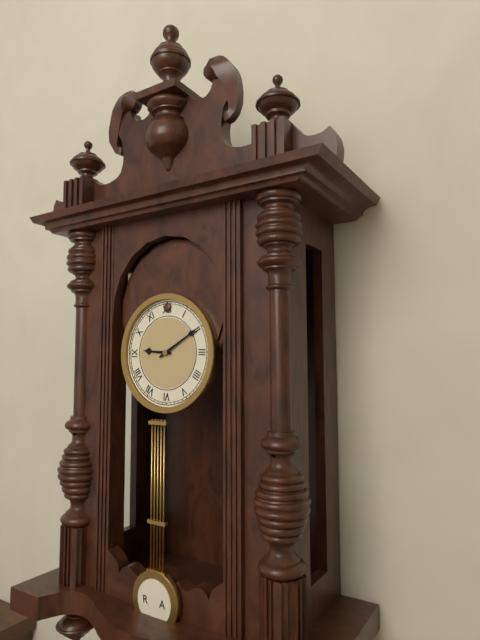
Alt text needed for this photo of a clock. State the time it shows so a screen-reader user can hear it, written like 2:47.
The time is 9:10
